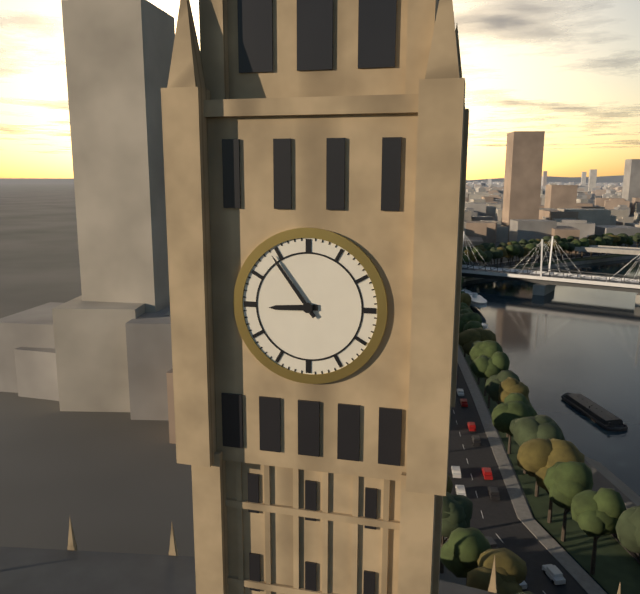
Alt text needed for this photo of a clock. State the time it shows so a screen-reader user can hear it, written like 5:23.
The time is 8:54
